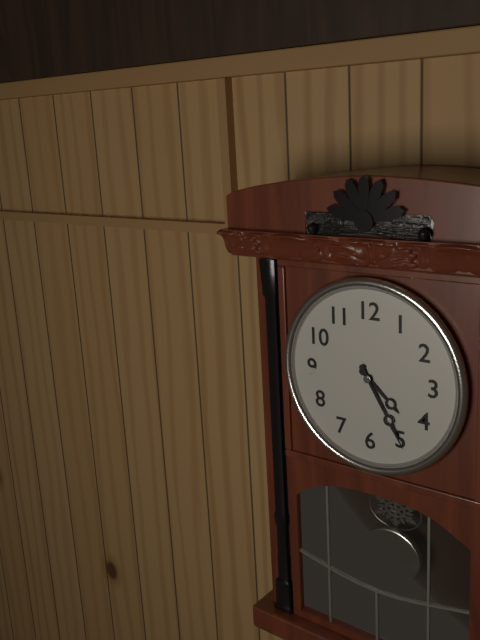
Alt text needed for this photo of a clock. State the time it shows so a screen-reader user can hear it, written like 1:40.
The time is 4:25
